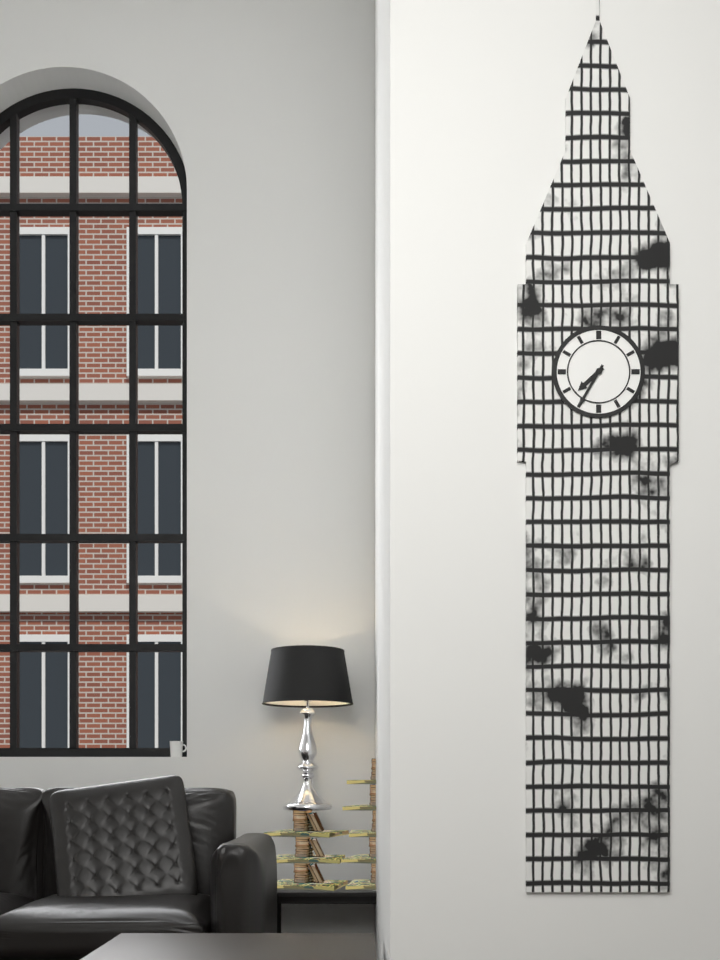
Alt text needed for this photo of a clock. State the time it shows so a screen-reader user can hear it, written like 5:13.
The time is 7:35
